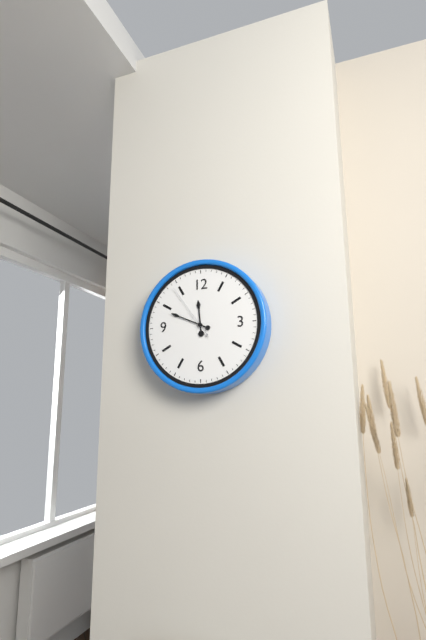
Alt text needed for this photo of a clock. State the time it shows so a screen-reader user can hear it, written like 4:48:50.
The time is 11:49:54
